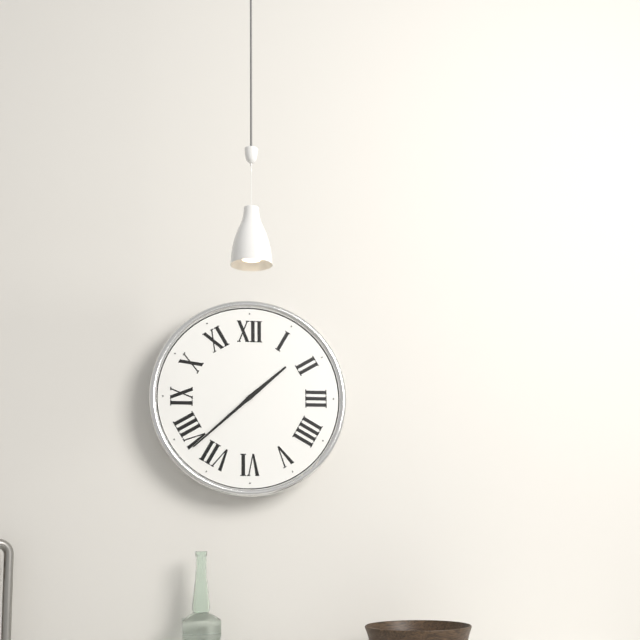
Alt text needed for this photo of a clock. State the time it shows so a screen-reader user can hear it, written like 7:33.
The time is 1:38
